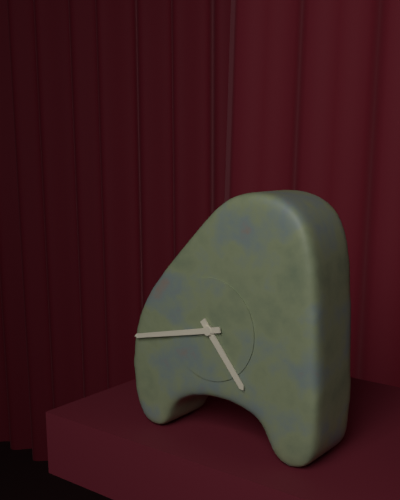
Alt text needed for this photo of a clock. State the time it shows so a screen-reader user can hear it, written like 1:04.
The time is 4:43
